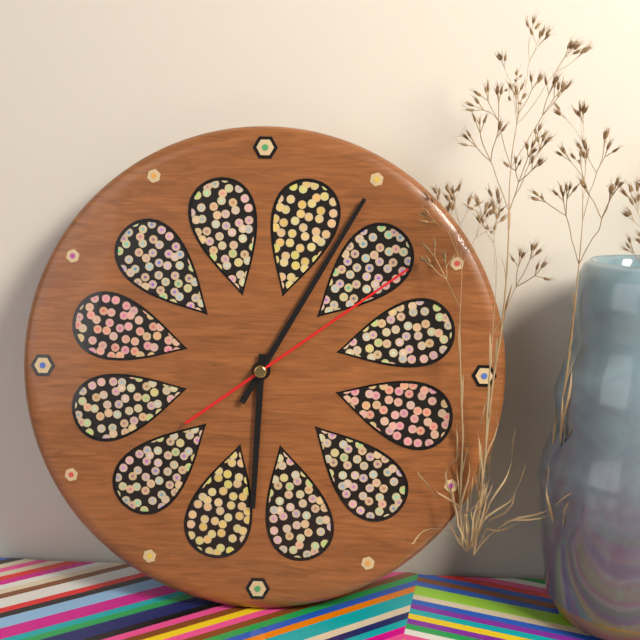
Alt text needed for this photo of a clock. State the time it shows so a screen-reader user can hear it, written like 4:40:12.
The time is 6:05:09
